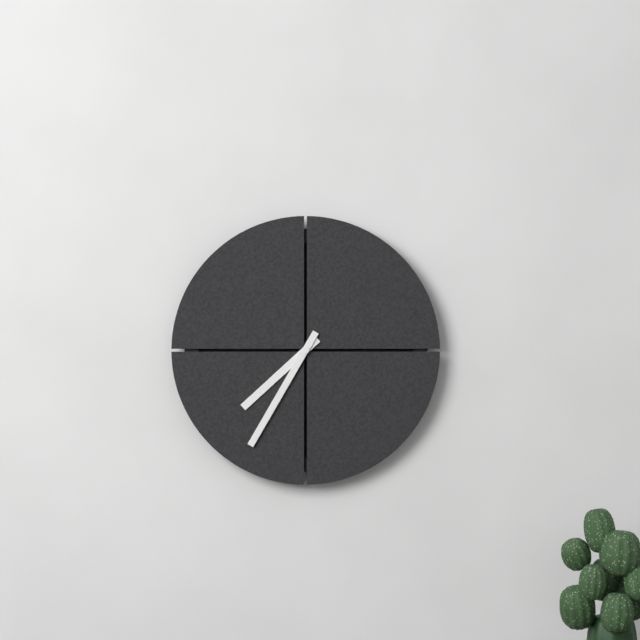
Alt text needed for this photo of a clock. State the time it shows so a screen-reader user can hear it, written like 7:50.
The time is 7:35
